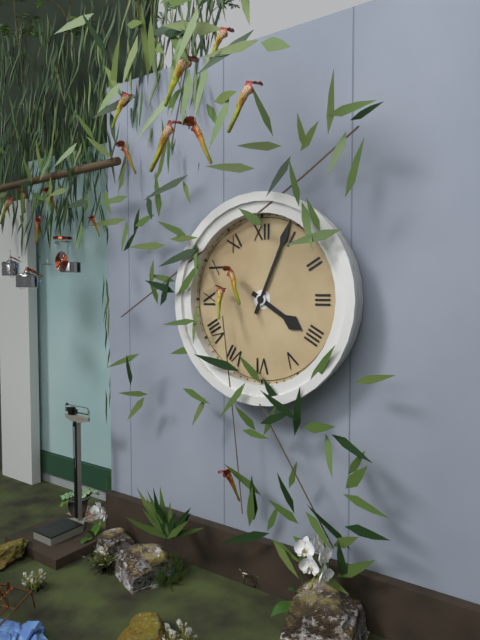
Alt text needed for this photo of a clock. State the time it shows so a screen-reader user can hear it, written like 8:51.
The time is 4:04
